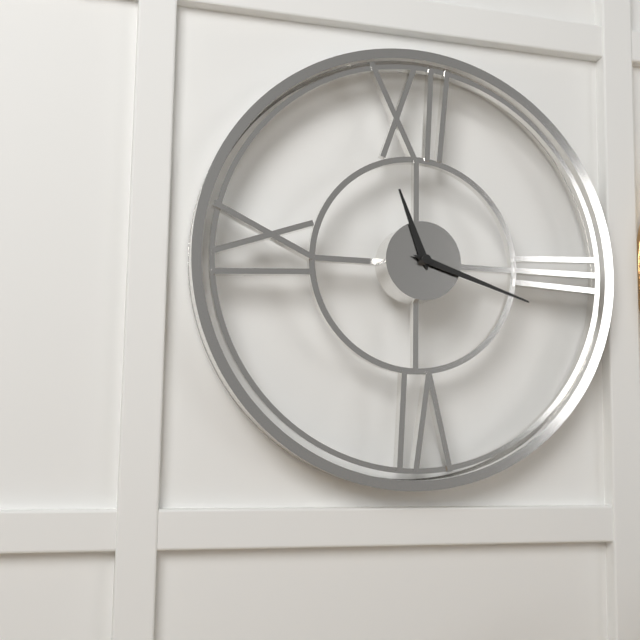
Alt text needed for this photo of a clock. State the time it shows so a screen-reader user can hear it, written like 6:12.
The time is 11:18
